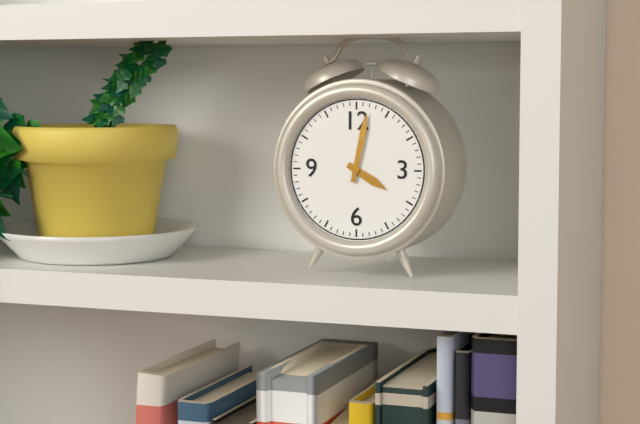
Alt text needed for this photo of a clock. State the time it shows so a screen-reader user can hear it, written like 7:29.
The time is 4:02
